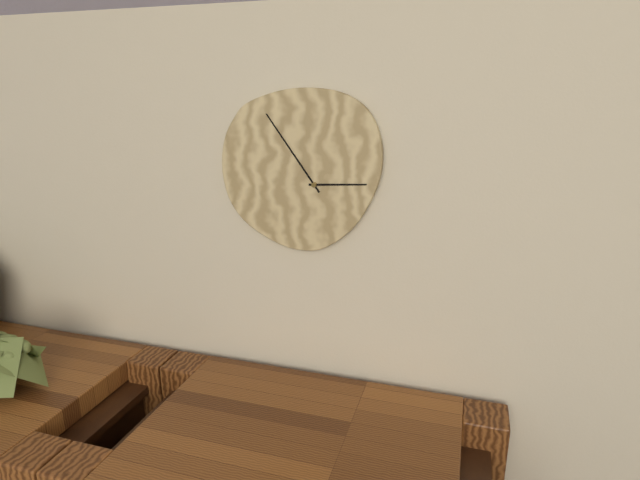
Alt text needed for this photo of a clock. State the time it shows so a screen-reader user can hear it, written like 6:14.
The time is 2:54
